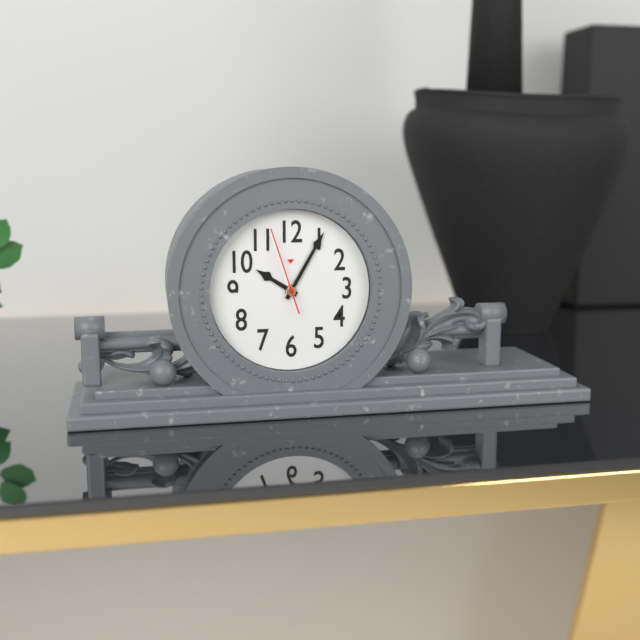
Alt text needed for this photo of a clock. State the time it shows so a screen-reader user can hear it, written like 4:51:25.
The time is 10:05:57
